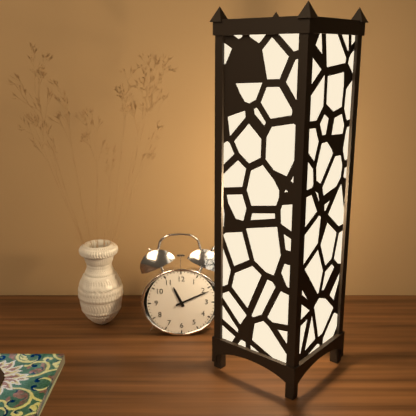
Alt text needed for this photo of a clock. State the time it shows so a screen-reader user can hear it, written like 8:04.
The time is 11:11
